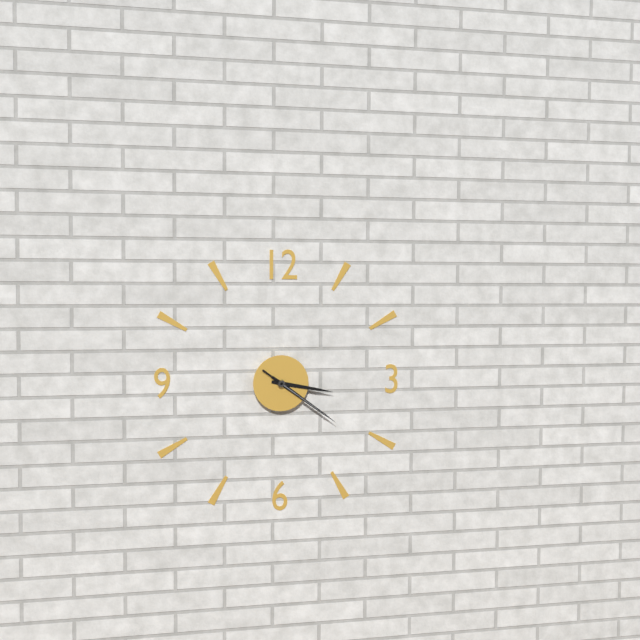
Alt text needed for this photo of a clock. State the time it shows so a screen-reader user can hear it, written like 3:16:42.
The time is 3:21:21
